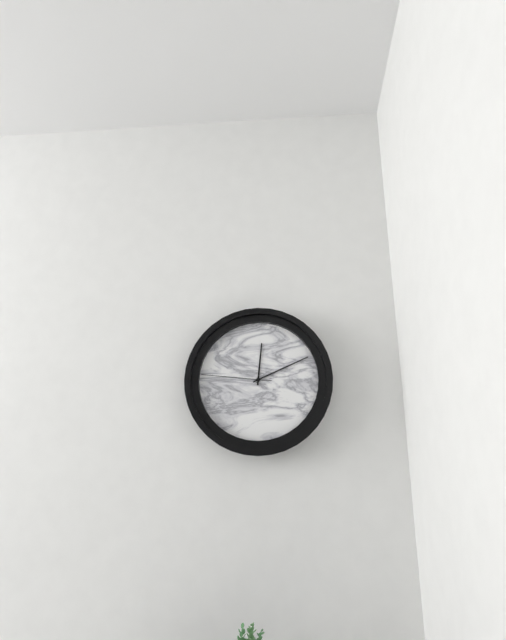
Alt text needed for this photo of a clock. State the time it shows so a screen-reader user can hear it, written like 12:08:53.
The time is 12:11:46
